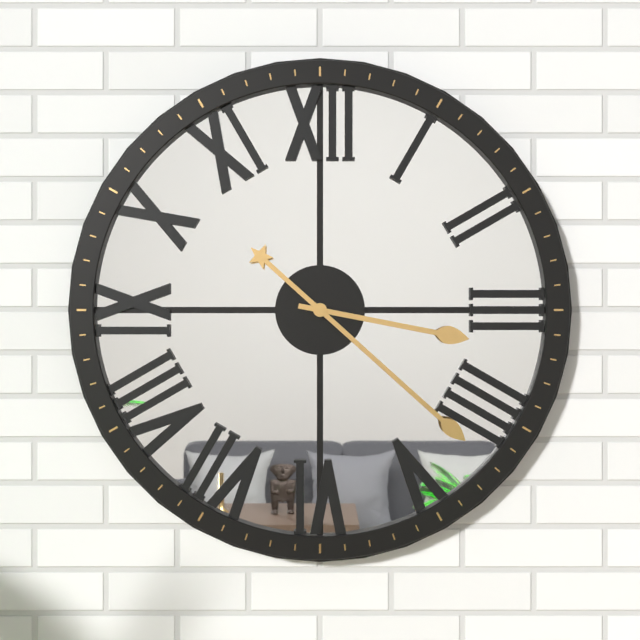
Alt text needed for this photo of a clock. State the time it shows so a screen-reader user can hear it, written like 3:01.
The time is 3:22
